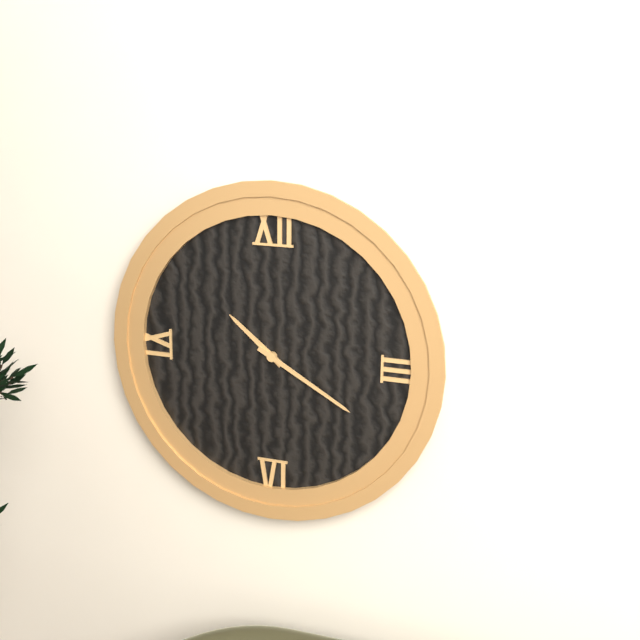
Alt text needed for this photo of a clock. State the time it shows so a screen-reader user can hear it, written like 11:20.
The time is 10:20
